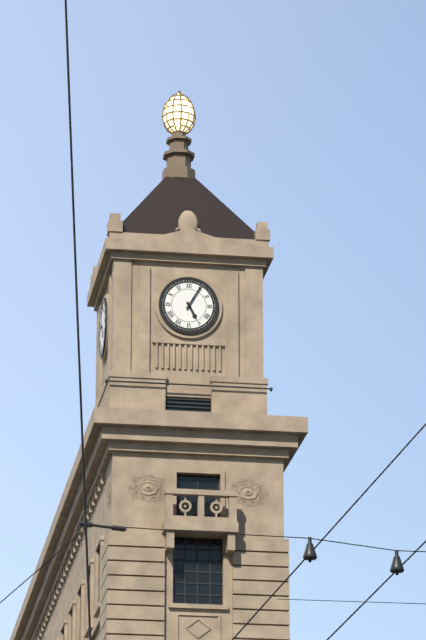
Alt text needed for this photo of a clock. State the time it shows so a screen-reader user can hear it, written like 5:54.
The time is 5:05
